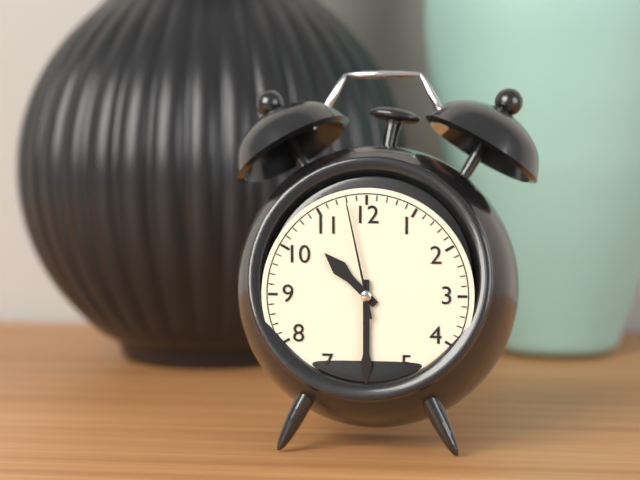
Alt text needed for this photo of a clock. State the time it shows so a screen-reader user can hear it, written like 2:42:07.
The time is 10:30:58
